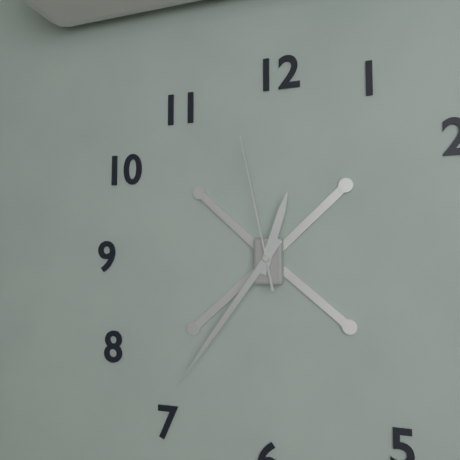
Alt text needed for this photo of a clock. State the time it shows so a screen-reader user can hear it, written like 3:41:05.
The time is 12:36:58
